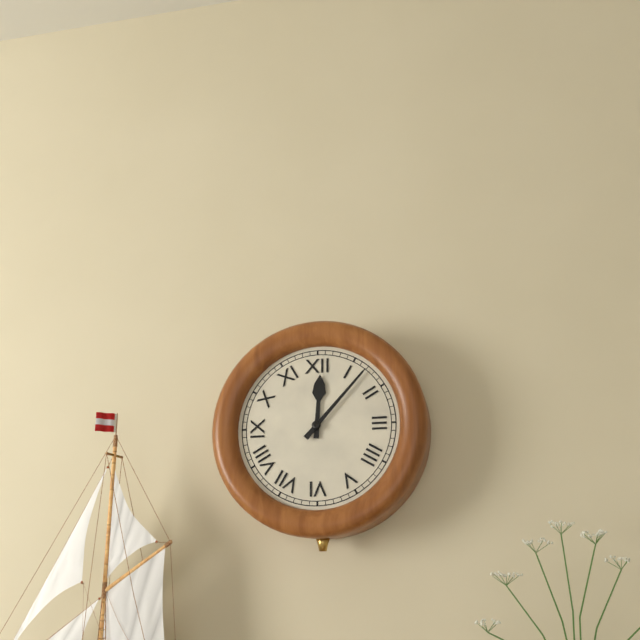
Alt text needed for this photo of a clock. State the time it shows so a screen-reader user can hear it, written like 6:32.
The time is 12:07
